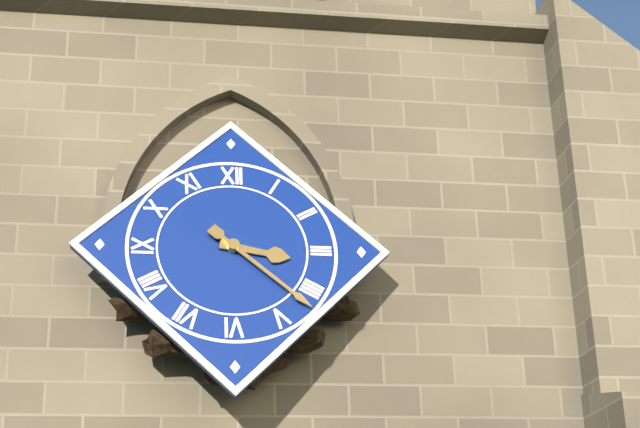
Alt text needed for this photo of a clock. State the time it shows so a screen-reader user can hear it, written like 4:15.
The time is 3:22
